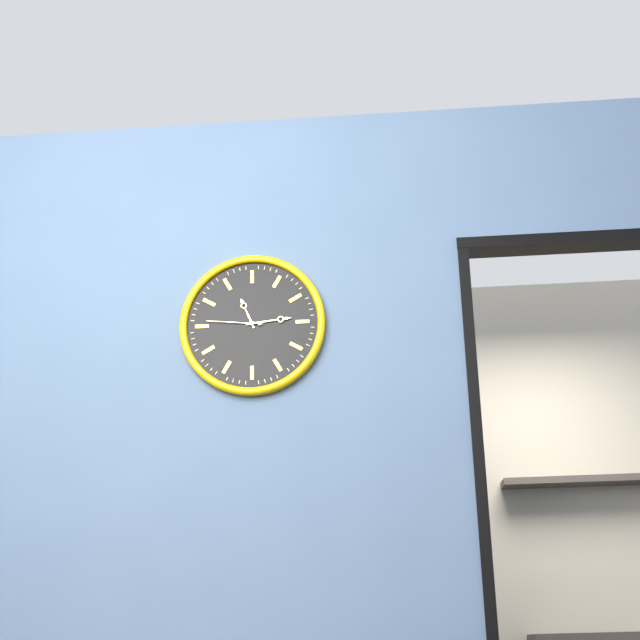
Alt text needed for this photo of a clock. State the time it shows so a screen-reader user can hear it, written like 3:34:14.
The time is 11:14:46
